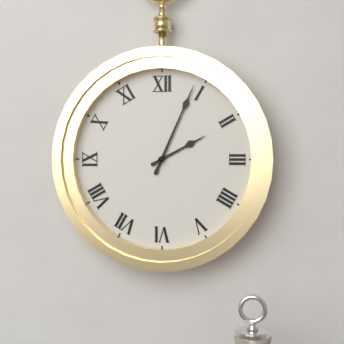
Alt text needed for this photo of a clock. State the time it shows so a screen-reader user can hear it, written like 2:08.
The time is 2:04
